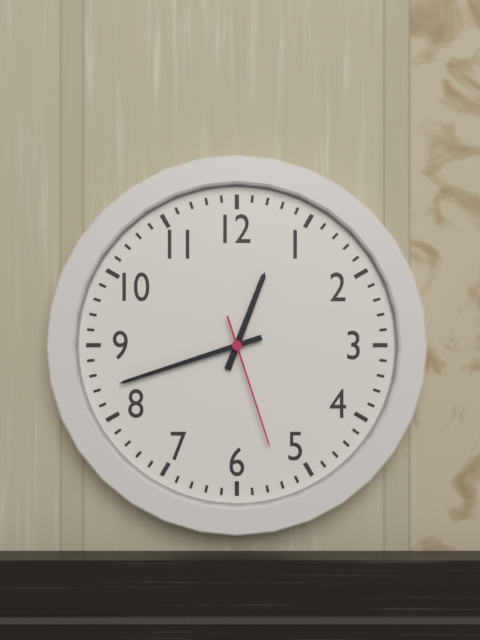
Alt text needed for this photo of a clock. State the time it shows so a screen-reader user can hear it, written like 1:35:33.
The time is 12:42:27
